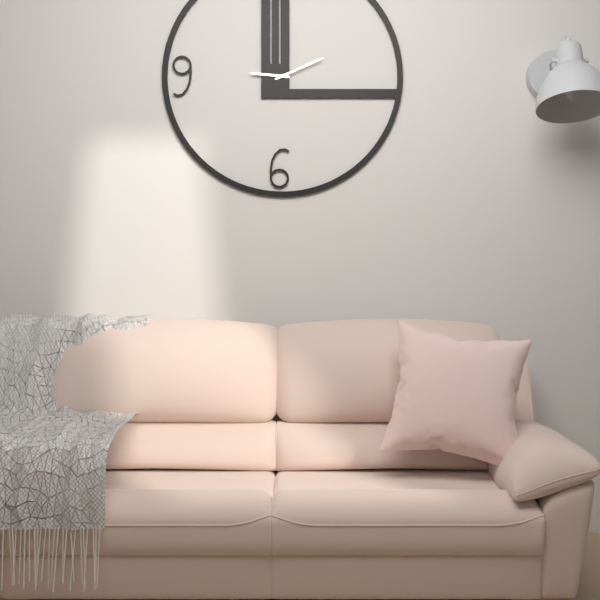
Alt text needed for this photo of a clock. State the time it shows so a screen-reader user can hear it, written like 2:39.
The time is 9:11
